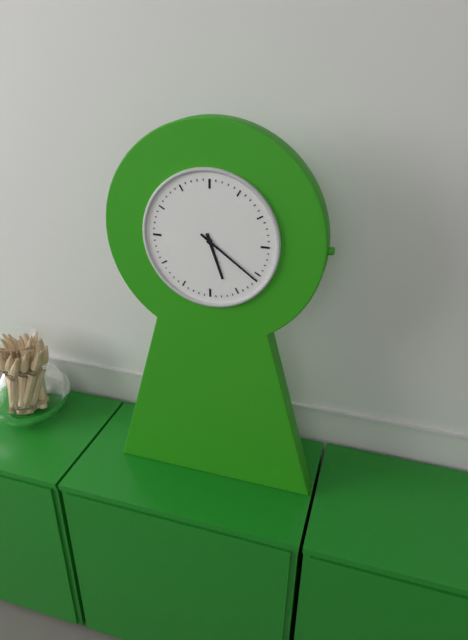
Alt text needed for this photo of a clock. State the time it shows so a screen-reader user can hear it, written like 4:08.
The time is 5:21
